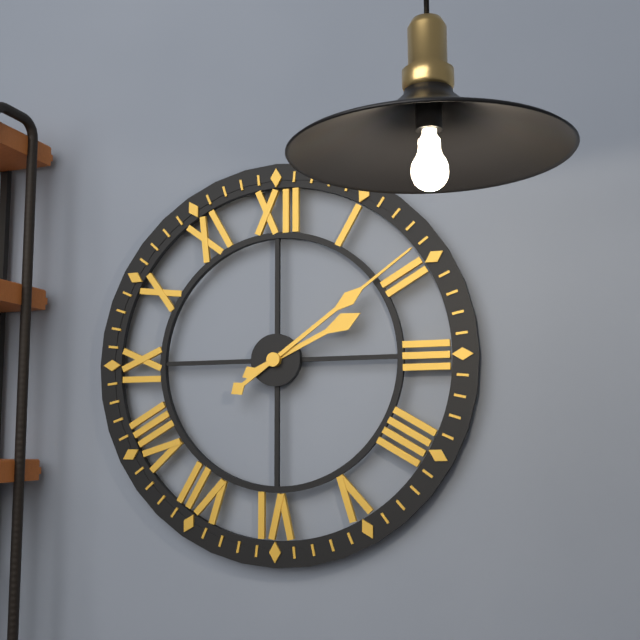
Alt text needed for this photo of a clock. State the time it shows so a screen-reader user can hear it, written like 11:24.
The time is 2:09
